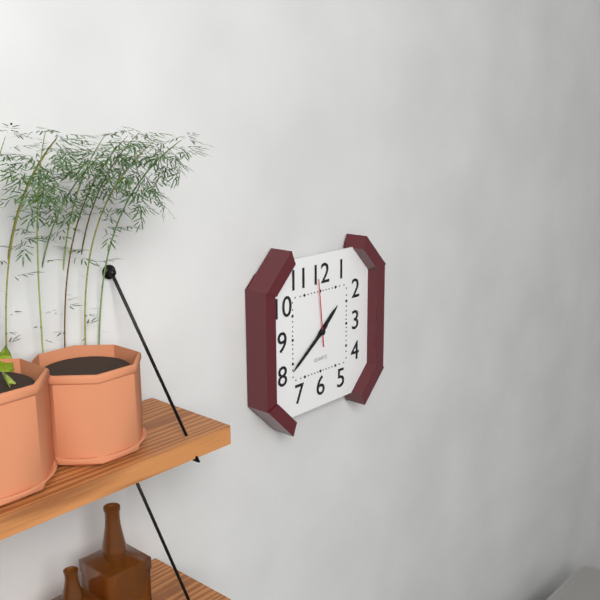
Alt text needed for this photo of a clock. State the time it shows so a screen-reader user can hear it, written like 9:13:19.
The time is 1:39:59
